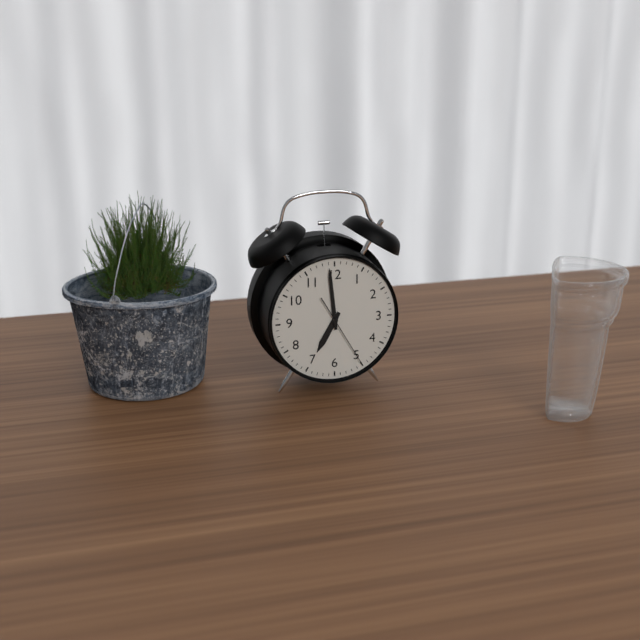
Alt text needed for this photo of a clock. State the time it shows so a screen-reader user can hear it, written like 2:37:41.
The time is 6:59:25
